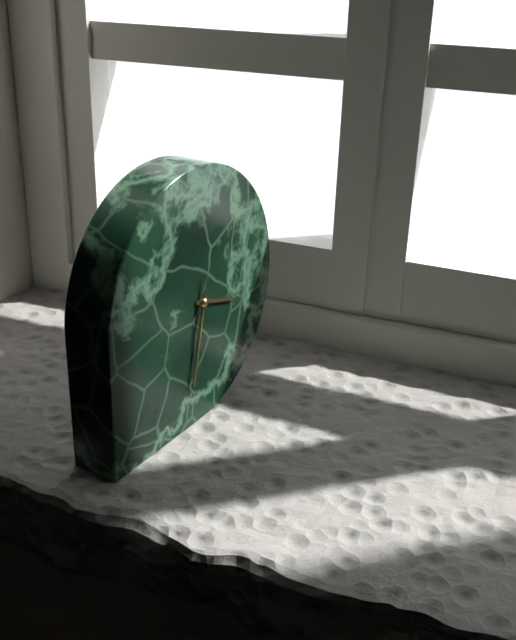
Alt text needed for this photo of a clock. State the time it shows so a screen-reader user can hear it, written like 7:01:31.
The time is 3:32:32
